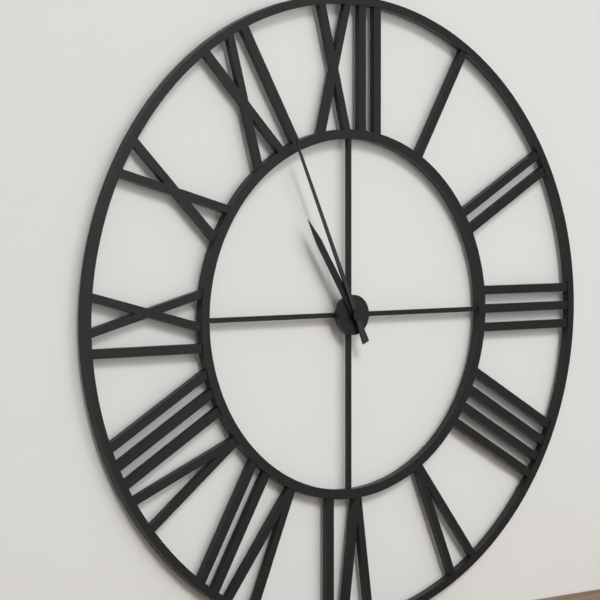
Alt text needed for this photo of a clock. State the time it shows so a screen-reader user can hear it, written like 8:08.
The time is 10:56
